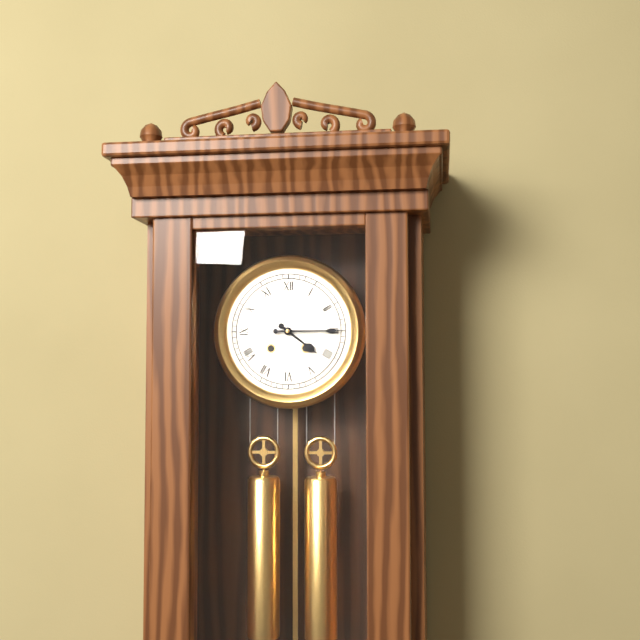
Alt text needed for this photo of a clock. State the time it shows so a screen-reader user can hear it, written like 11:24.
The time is 4:15
